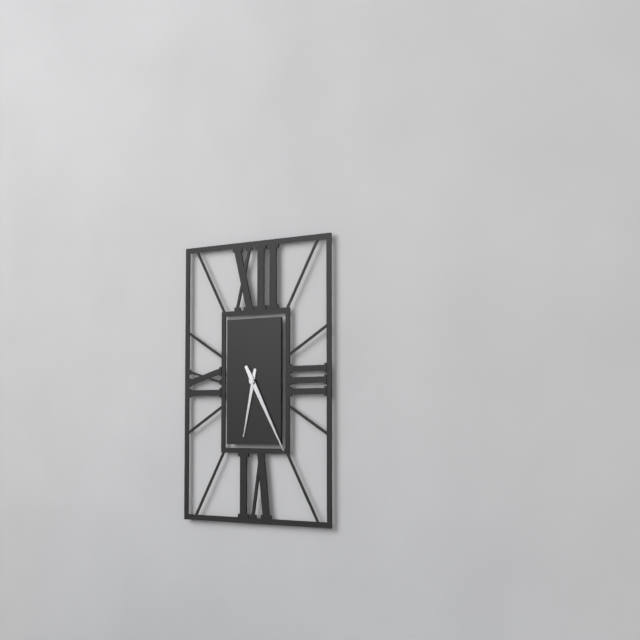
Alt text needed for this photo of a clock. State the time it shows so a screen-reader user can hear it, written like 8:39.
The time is 6:25
